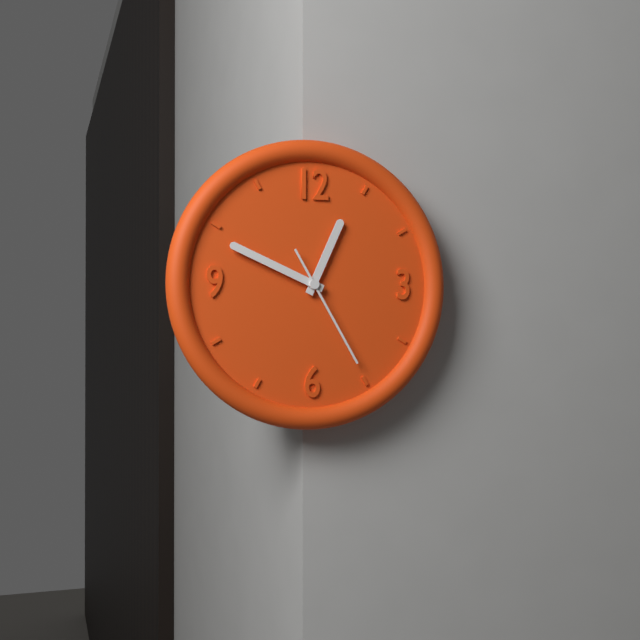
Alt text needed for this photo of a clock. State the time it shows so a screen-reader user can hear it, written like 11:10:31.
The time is 12:49:25
